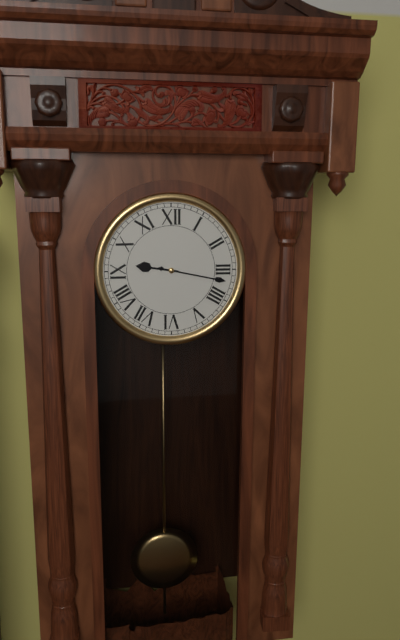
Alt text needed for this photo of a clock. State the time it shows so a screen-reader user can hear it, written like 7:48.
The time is 9:17
